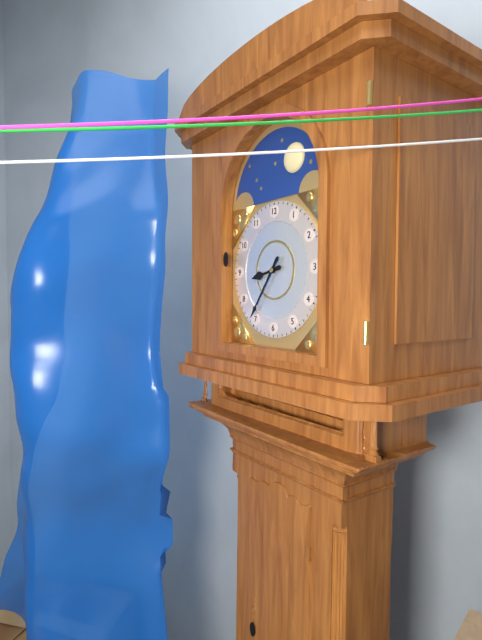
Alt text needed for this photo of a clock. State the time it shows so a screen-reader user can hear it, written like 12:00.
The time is 8:36
